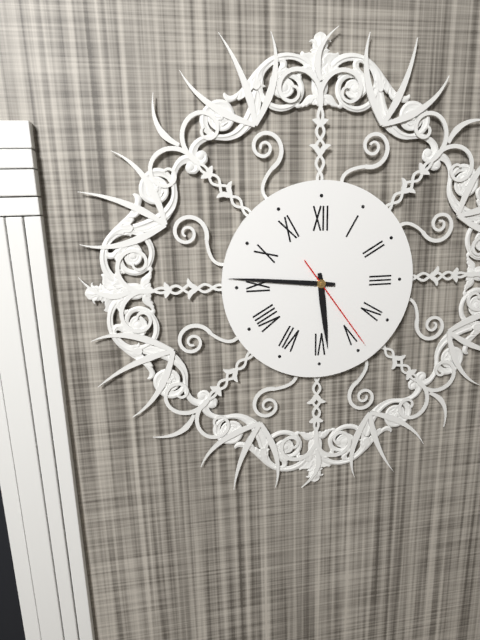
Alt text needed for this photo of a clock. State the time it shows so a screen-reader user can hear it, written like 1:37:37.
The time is 5:46:24
